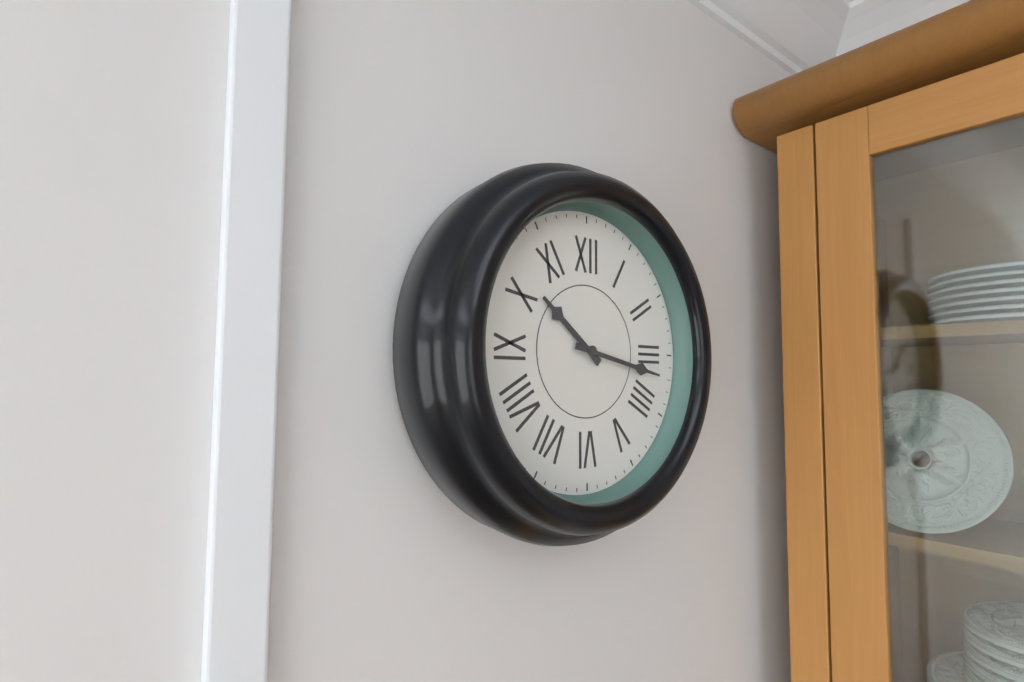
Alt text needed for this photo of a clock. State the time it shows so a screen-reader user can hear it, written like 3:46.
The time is 10:17
